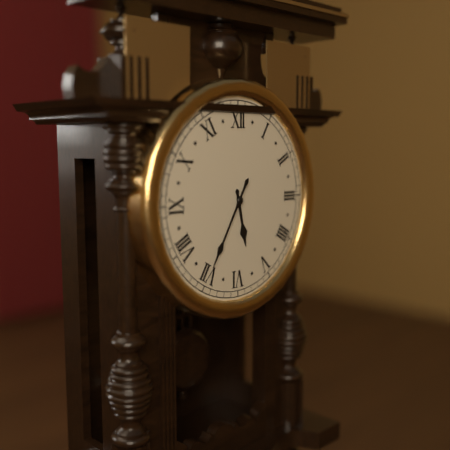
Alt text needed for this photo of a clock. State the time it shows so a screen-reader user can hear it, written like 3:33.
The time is 5:35
